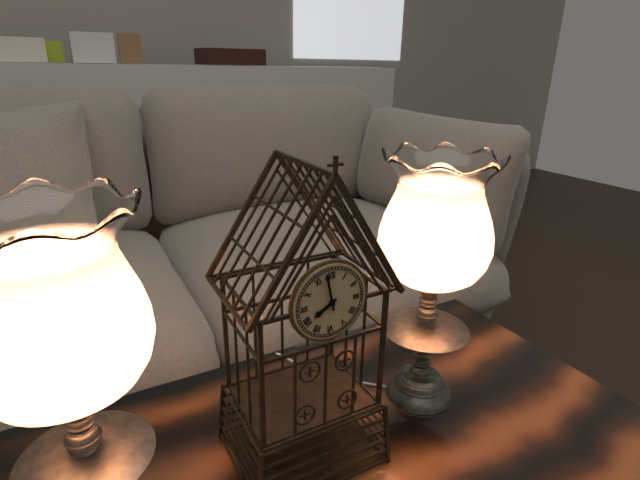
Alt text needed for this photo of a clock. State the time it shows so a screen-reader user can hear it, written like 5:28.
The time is 7:58
